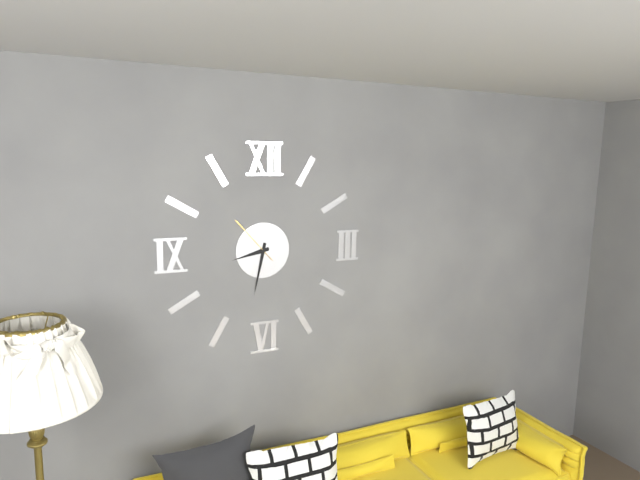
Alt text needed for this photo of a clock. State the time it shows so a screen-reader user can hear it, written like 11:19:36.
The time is 8:32:53
